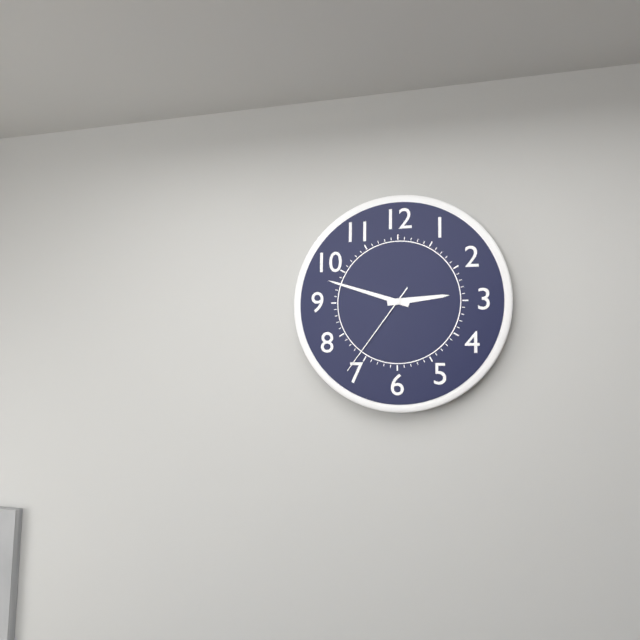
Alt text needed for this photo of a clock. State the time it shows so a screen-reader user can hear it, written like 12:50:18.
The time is 2:48:36
